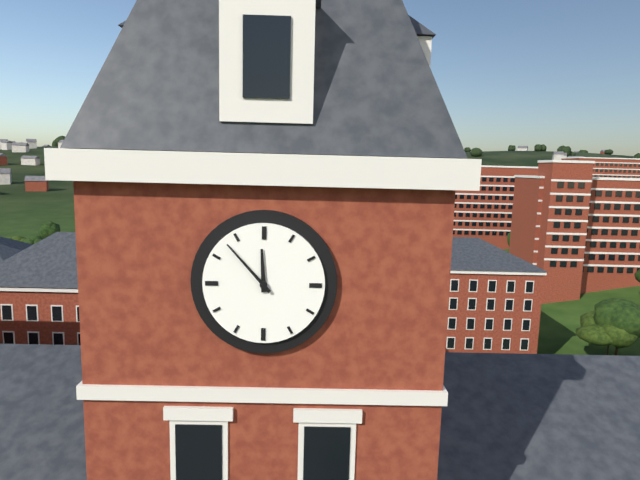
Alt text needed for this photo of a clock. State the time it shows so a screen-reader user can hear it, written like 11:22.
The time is 11:53
